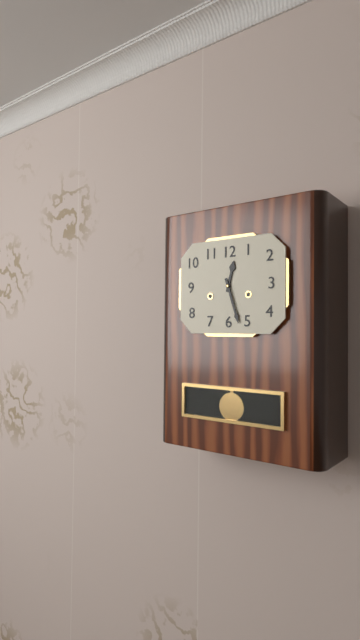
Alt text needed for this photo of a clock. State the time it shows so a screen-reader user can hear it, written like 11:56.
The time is 12:27
